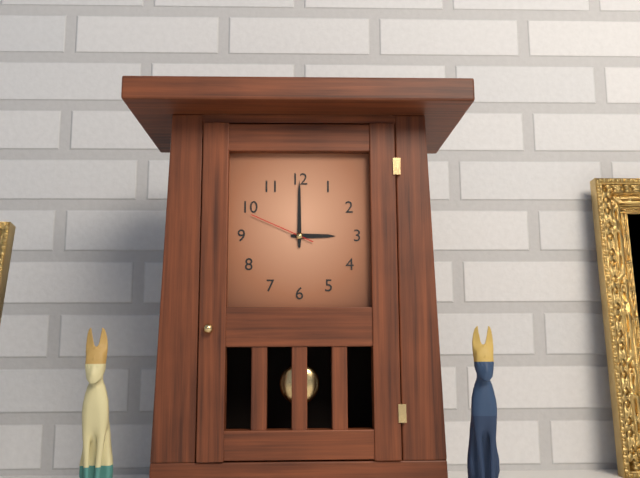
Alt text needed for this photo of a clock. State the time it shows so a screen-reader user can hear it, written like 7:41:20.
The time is 3:00:49
